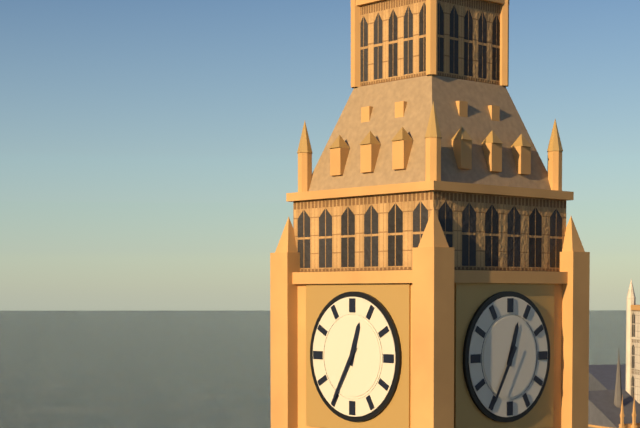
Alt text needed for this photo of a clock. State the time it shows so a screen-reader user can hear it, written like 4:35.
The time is 12:35
